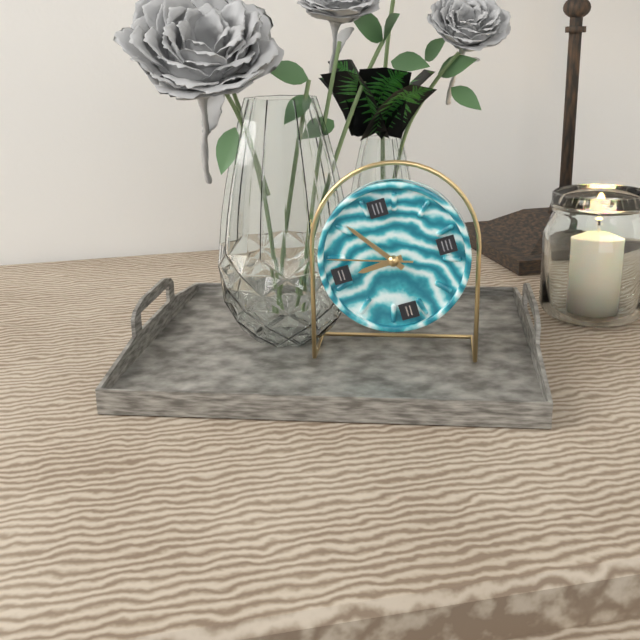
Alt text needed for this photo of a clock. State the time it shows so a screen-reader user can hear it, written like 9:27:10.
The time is 8:54:48
